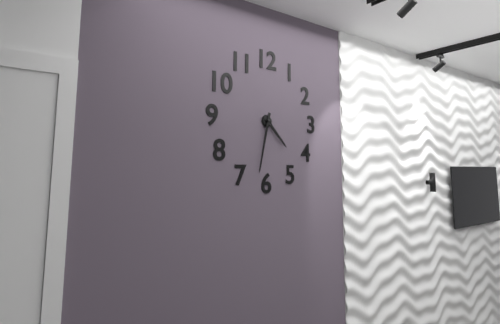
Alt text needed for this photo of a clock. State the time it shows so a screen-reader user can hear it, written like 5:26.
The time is 4:32
